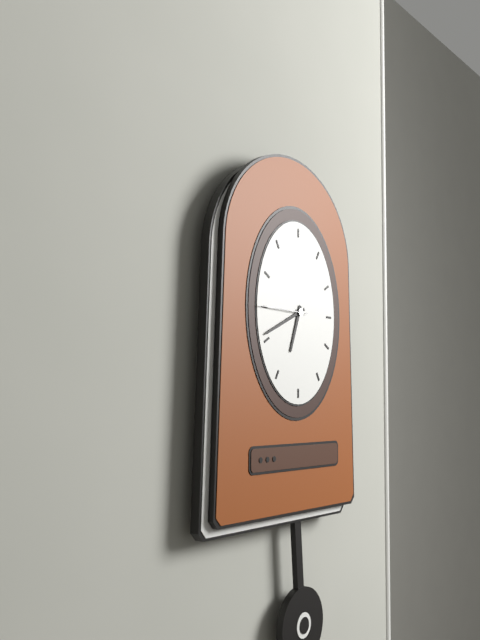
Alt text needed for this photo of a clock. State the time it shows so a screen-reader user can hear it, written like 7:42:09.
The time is 6:41:45
